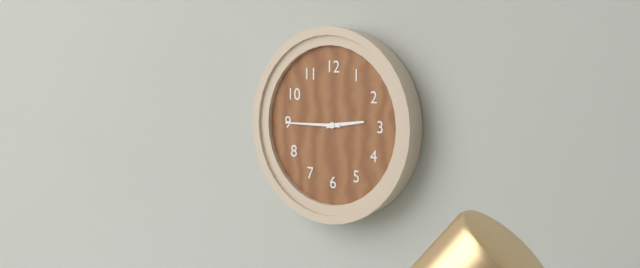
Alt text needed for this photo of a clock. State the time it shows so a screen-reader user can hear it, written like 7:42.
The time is 2:45
